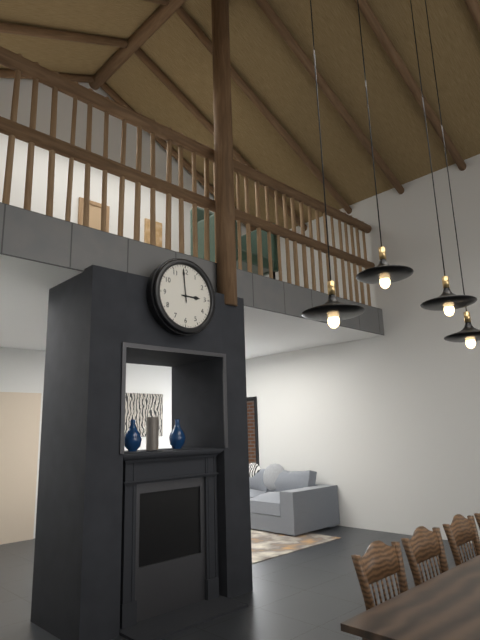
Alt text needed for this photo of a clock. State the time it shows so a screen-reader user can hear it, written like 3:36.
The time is 2:59
